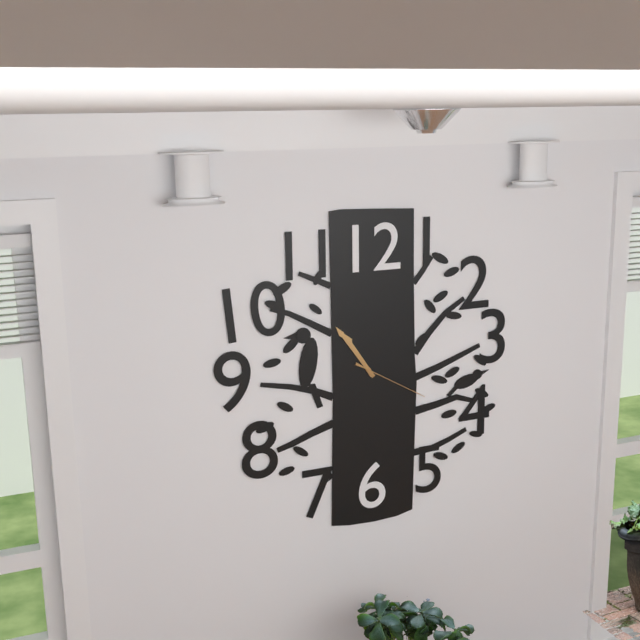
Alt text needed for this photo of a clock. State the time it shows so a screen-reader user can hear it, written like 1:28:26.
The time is 10:54:20
